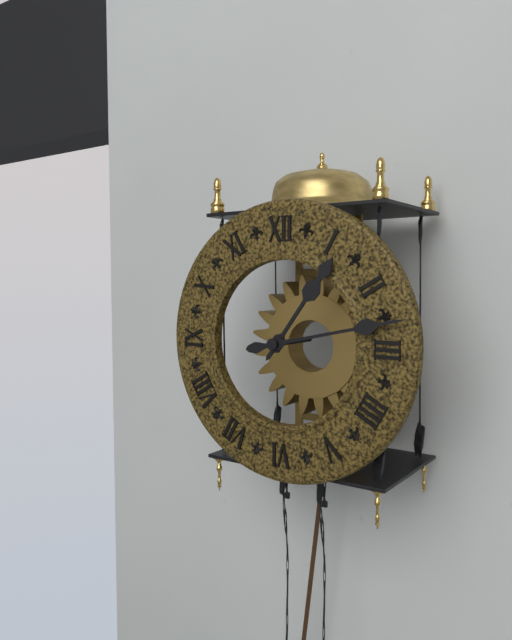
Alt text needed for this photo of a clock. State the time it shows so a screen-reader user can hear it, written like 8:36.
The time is 1:13
